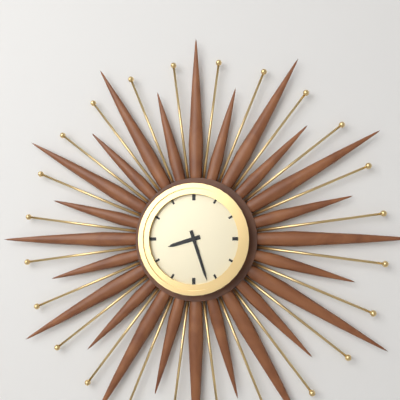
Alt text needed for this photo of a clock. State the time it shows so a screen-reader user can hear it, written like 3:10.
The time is 8:27
